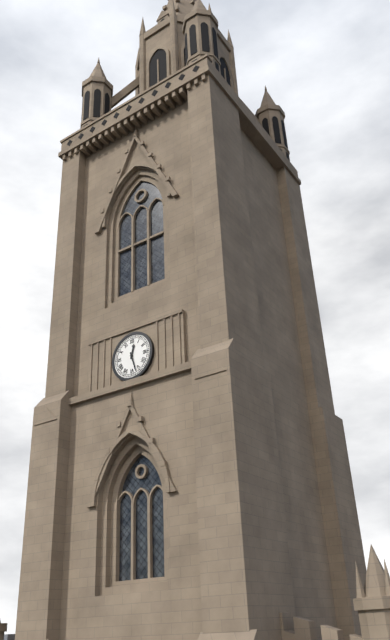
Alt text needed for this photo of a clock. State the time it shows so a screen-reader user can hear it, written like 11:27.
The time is 12:27
